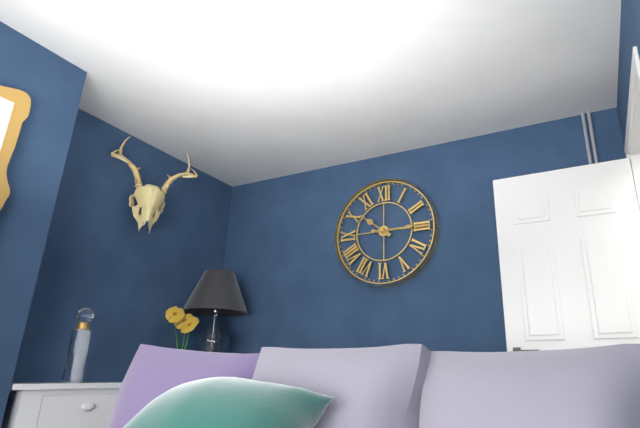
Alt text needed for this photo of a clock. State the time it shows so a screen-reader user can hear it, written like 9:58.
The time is 10:15
